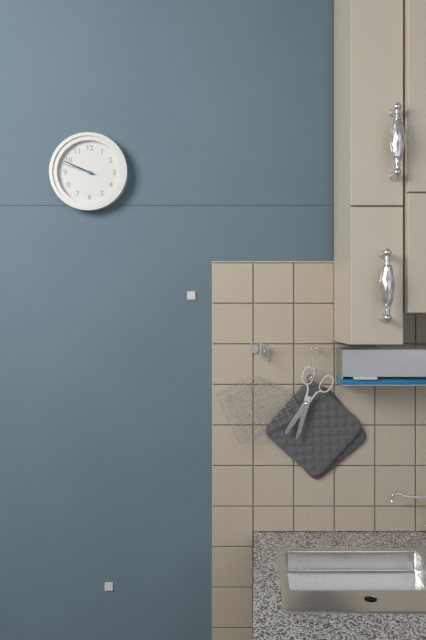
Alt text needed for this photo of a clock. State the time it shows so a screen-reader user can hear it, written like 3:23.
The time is 9:49
